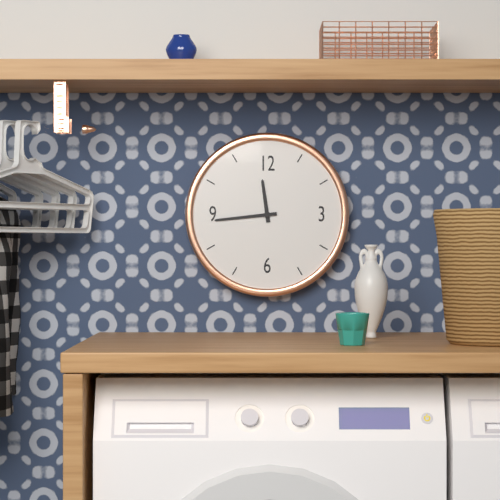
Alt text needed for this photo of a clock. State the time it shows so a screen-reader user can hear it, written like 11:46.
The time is 11:44
